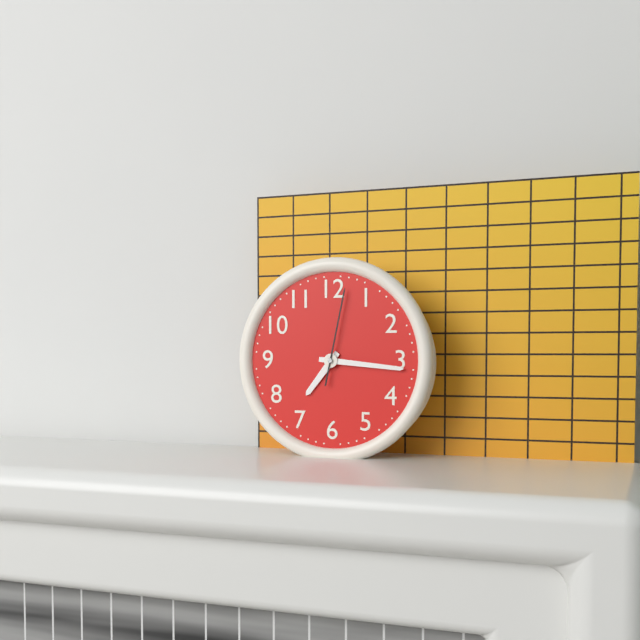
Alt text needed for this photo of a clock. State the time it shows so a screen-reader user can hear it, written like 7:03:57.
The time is 7:16:02
